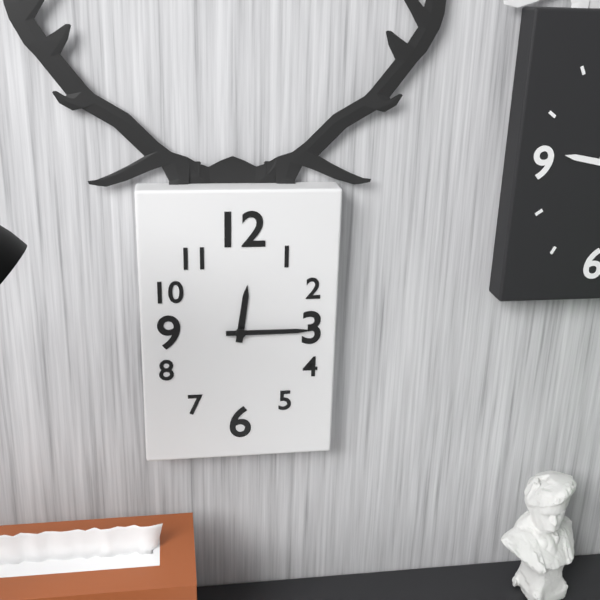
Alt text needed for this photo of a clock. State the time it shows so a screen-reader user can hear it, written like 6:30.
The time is 12:15
